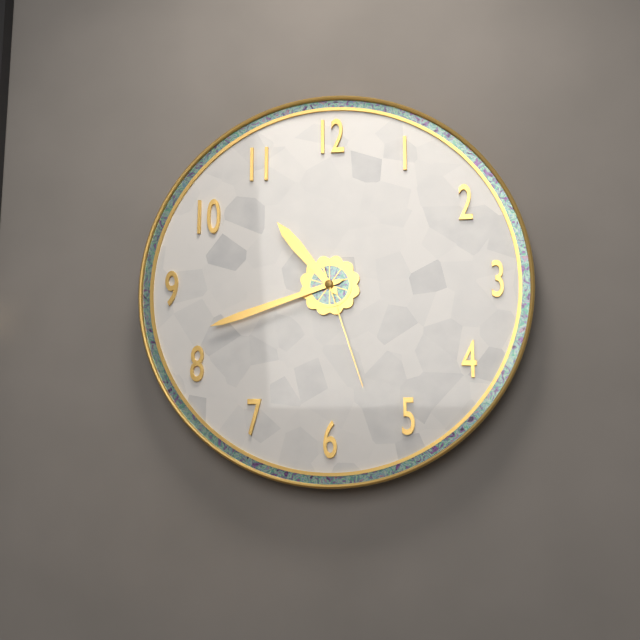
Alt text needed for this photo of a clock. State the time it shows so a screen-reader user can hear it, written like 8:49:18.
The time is 10:42:27
